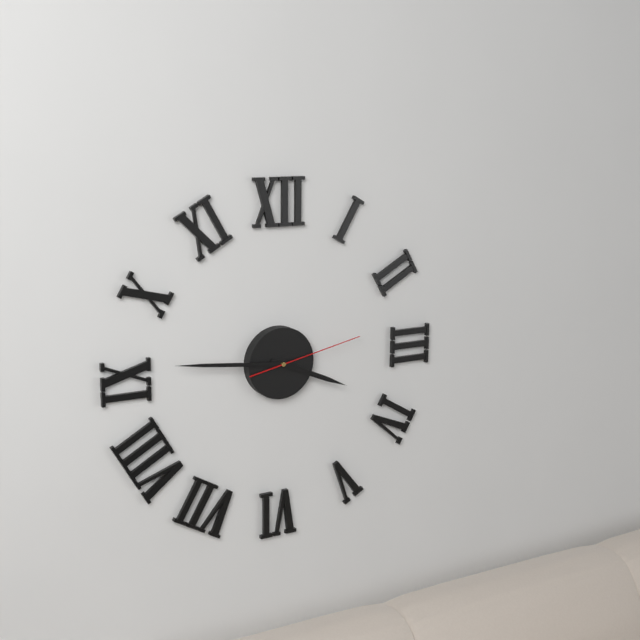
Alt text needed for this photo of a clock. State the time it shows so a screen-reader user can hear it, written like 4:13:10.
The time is 3:46:13
